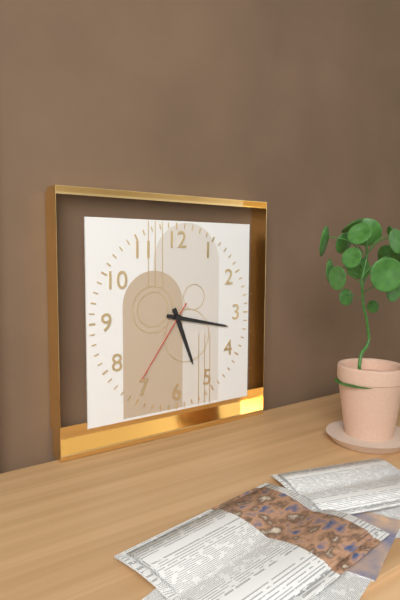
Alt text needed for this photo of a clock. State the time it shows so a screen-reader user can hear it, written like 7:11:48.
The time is 5:17:36
